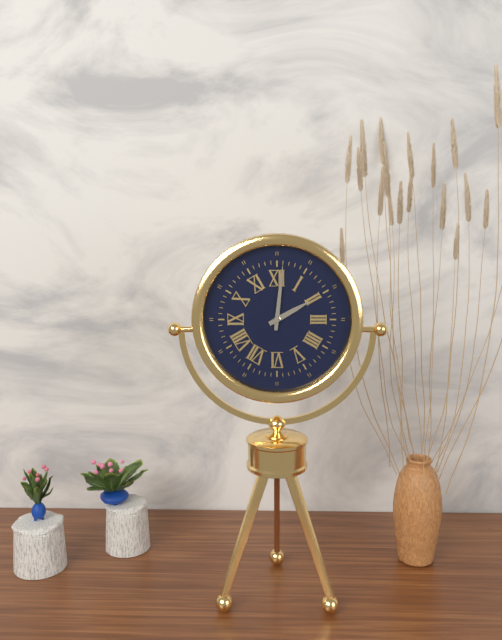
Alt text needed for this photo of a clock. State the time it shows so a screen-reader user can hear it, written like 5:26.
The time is 2:01
